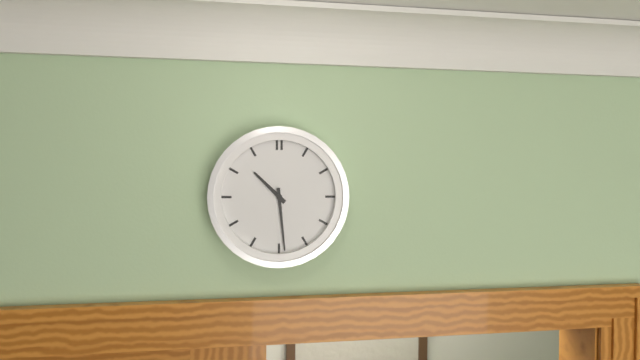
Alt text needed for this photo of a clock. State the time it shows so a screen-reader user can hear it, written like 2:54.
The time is 10:29
